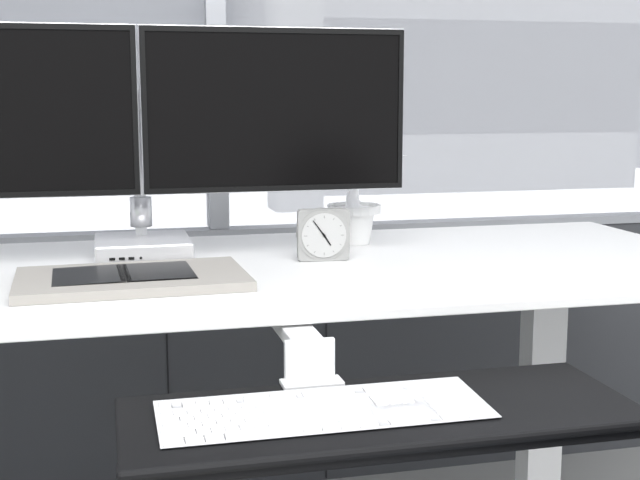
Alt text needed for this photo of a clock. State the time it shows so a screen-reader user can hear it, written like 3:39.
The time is 4:54
